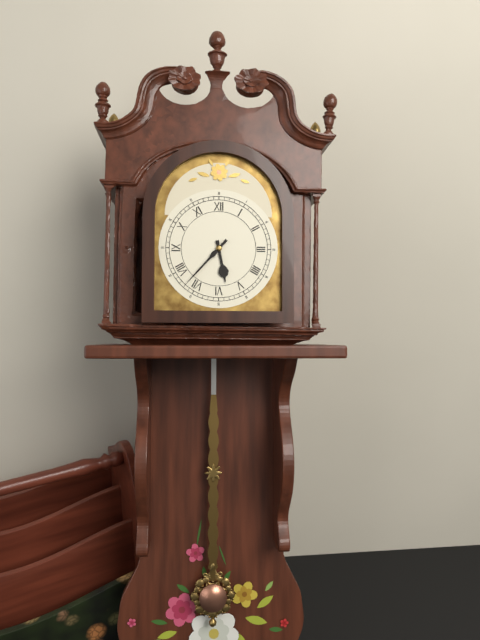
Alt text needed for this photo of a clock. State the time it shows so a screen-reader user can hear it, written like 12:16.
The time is 5:37
